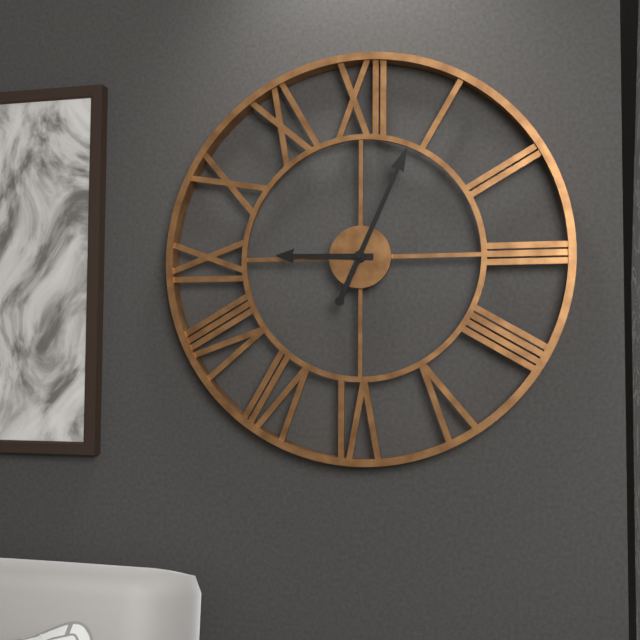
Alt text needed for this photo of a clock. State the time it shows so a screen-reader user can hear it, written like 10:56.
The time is 9:04
